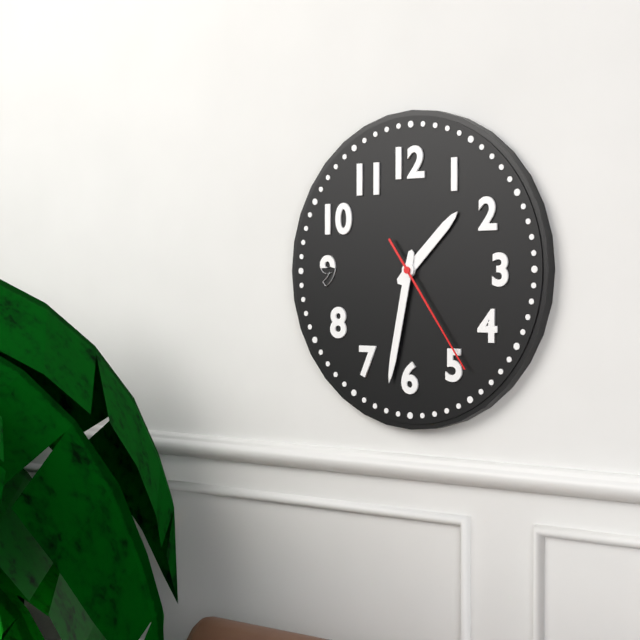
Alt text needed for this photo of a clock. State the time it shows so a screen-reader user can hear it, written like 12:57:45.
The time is 1:32:24
